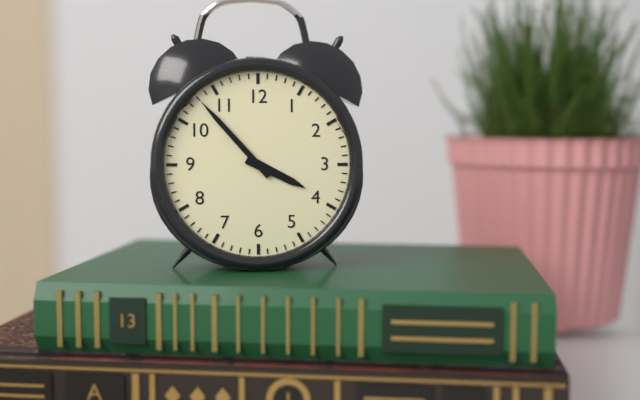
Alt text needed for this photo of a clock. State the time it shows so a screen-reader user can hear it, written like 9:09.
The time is 3:53
